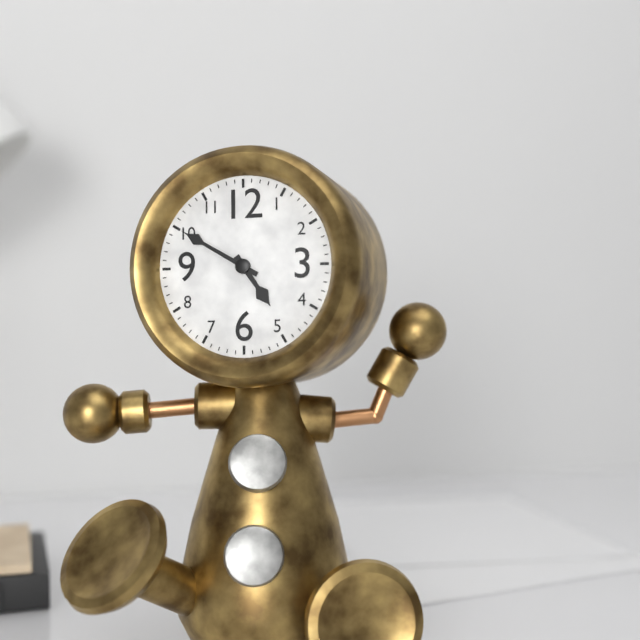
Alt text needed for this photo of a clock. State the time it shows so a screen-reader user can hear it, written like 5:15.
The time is 4:50
